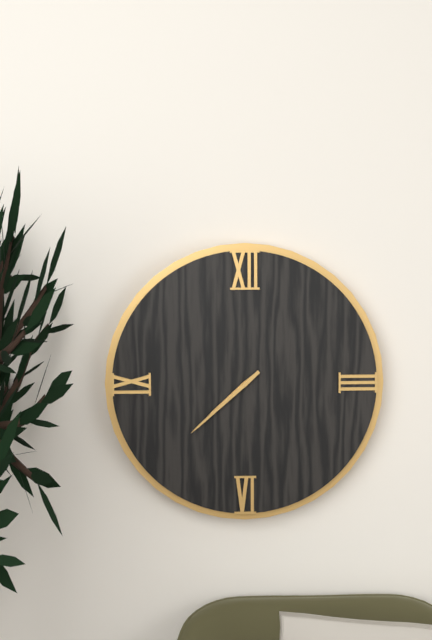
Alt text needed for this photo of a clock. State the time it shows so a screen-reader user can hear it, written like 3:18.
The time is 7:38
